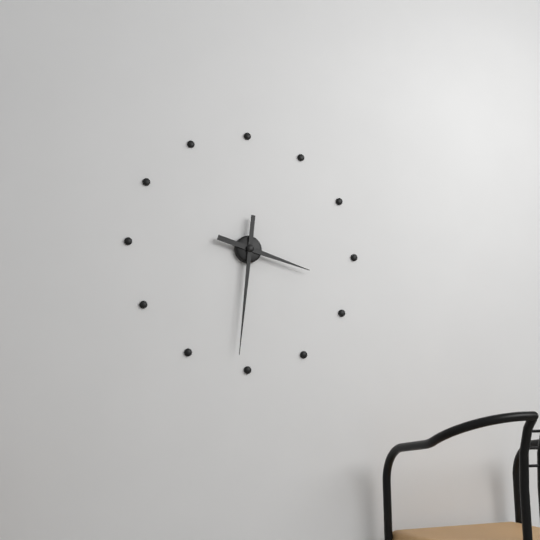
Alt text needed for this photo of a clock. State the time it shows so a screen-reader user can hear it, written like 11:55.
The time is 3:31
